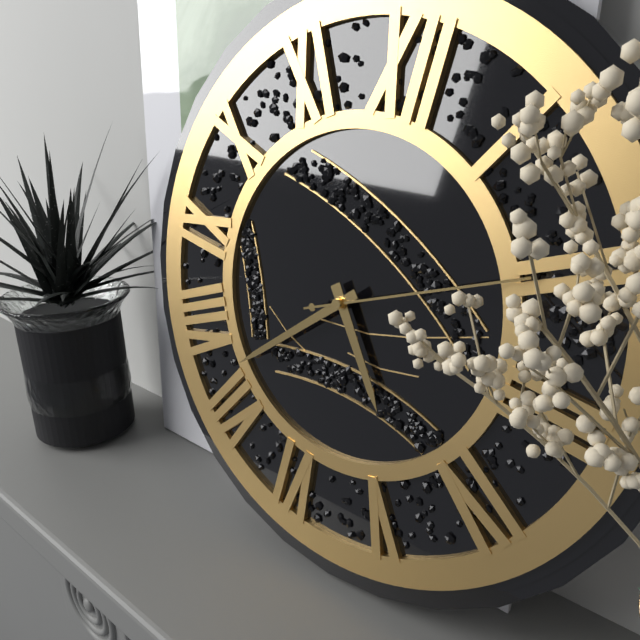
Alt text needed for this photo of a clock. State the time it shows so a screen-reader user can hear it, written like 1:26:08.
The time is 4:37:10
